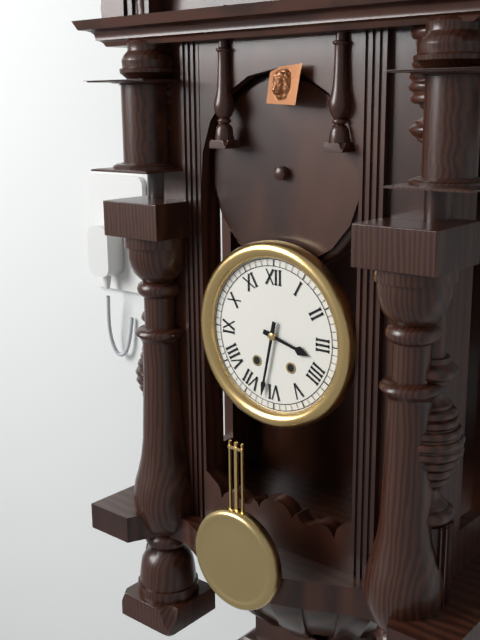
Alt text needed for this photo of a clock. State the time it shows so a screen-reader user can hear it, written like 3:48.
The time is 3:32
